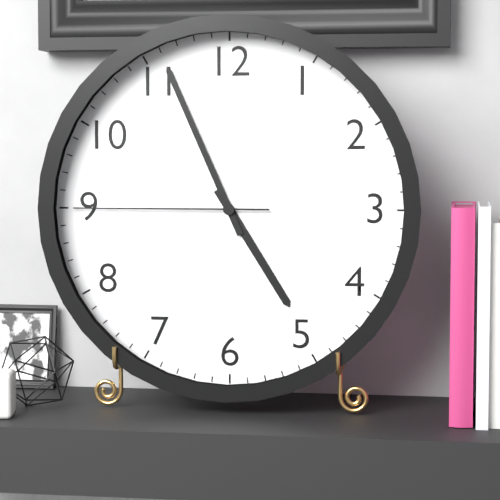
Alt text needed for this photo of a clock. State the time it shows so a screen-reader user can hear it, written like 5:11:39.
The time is 4:56:45
